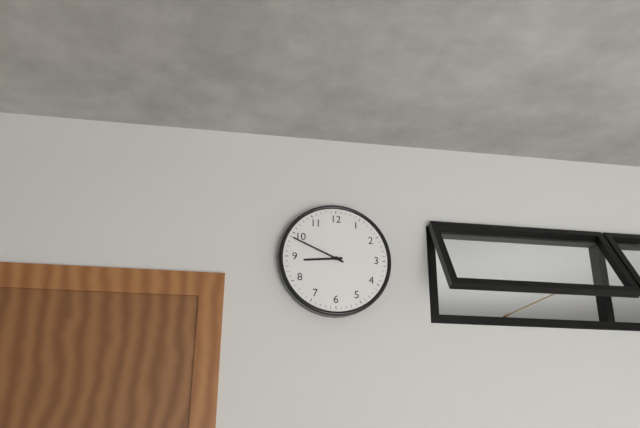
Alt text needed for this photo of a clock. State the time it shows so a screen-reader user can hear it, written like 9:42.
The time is 8:49
